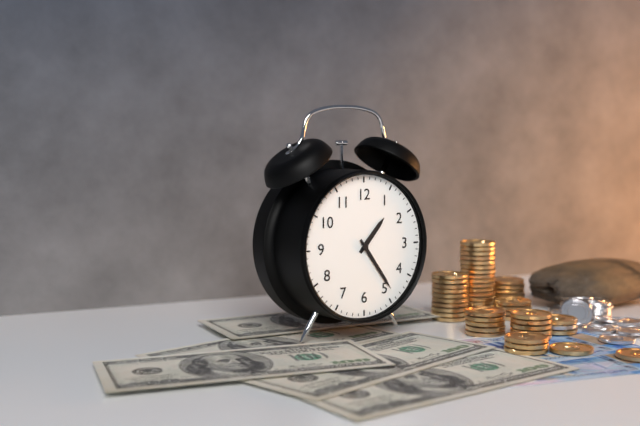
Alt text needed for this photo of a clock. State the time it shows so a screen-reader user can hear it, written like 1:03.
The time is 1:24
